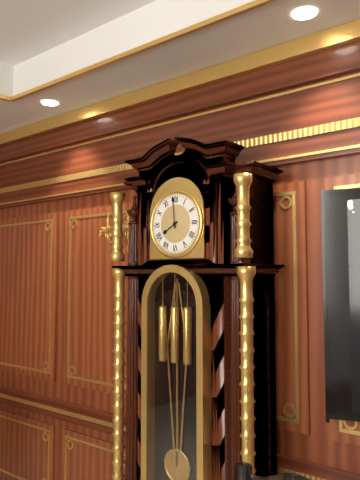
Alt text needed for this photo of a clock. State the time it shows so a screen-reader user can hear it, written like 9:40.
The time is 7:59
